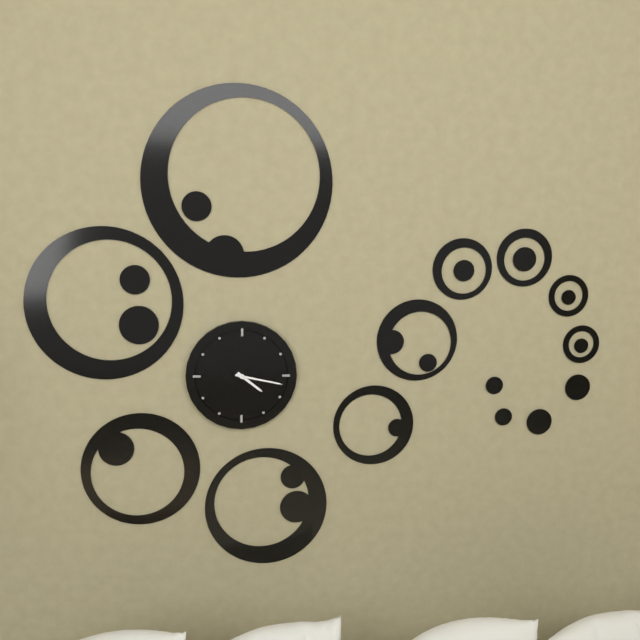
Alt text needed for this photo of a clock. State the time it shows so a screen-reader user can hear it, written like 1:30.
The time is 4:17
